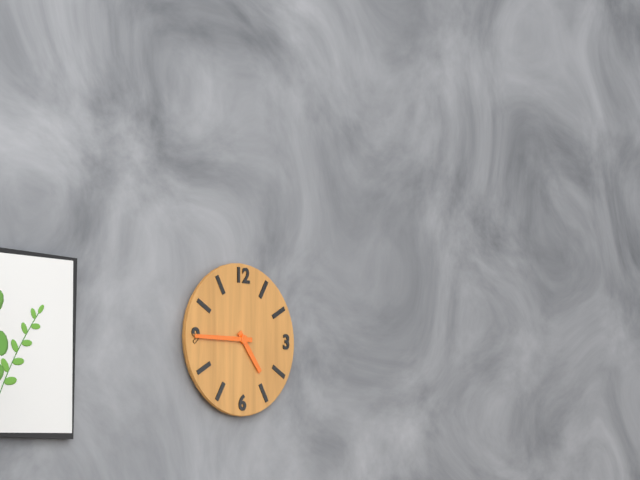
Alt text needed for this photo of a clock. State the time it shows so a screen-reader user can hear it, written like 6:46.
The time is 4:45
